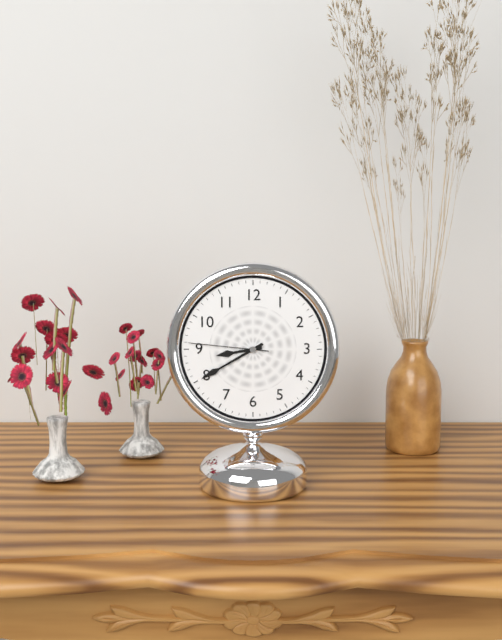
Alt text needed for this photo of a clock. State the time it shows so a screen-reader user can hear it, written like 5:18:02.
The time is 8:40:46
